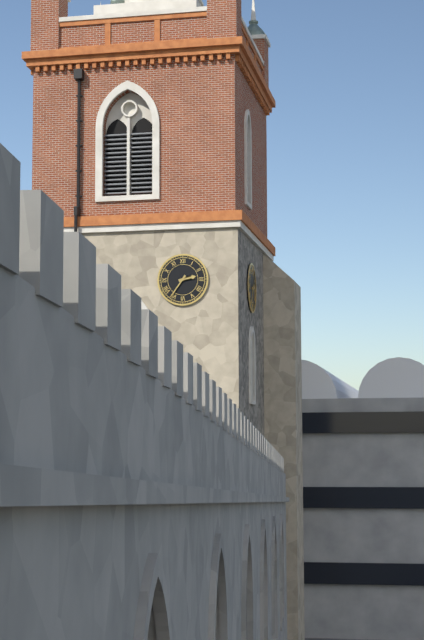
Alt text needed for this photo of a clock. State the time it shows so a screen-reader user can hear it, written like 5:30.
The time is 2:36
